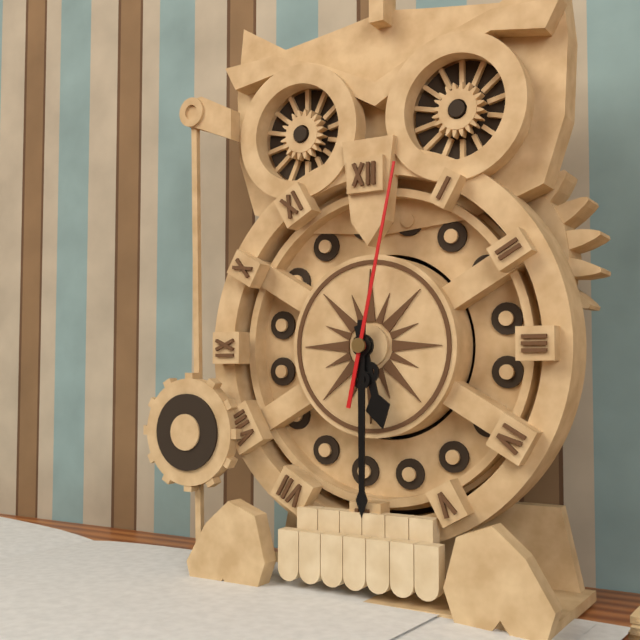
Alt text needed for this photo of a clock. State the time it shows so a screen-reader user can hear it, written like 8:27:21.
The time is 5:30:02
